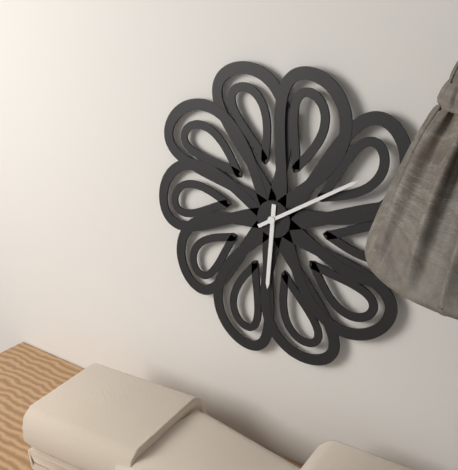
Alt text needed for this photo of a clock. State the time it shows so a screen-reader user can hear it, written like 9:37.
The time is 6:10
